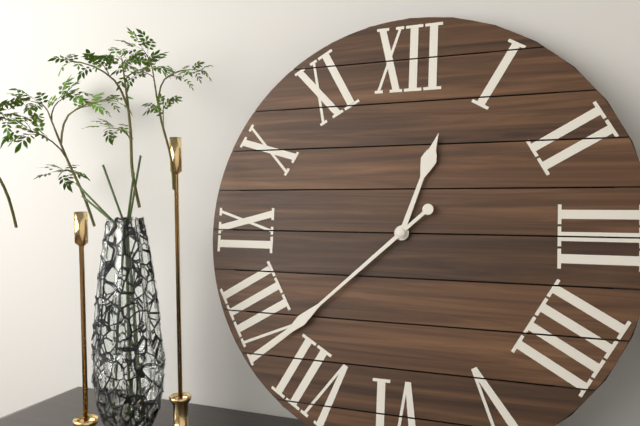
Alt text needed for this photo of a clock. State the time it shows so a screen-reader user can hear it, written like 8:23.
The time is 12:38
